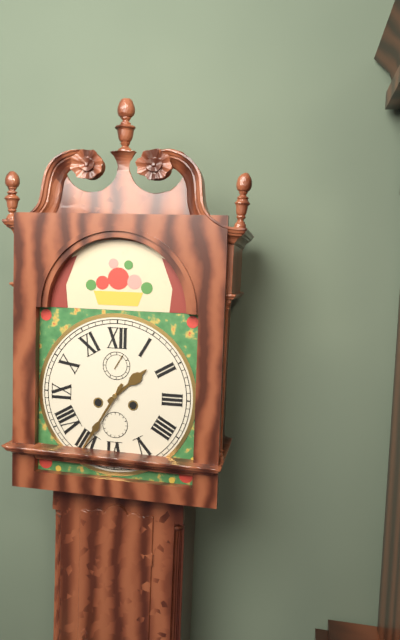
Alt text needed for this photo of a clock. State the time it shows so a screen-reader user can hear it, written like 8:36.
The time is 1:35
